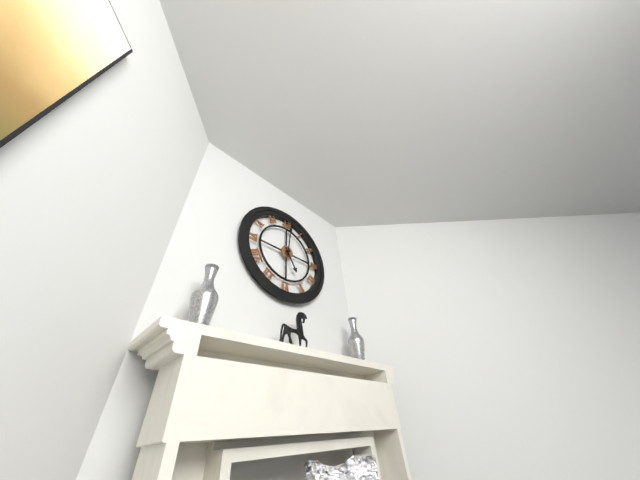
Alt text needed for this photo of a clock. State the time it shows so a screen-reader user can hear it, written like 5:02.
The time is 5:01
